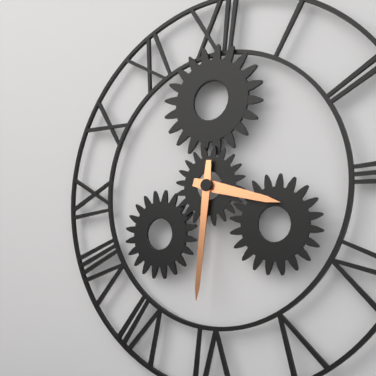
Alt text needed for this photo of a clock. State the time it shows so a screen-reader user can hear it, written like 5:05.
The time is 3:31
